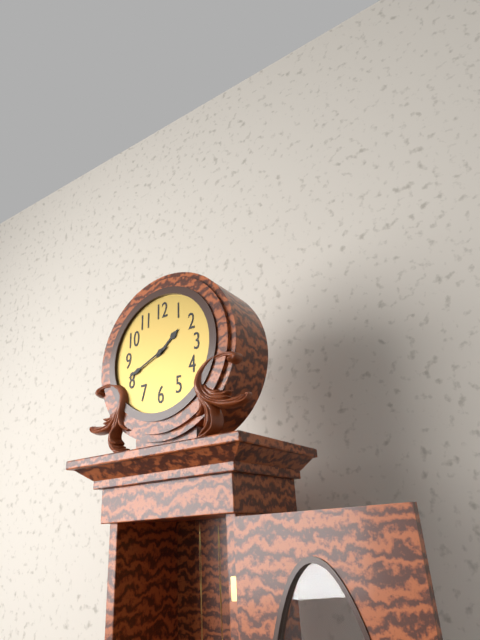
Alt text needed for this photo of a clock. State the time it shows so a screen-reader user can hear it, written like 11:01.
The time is 1:41
